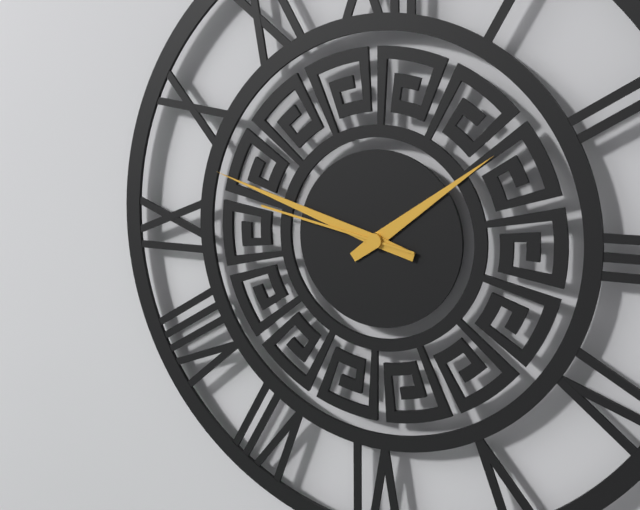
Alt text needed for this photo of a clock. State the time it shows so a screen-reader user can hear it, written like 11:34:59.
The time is 1:48:47
